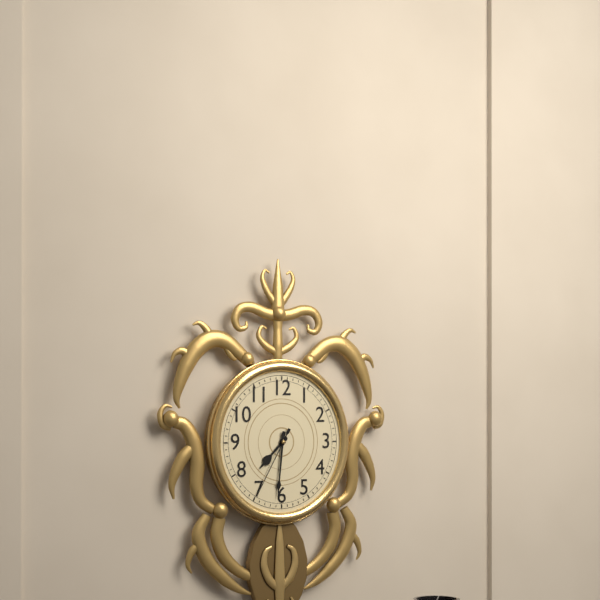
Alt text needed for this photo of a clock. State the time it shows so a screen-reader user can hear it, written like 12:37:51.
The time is 7:31:35
